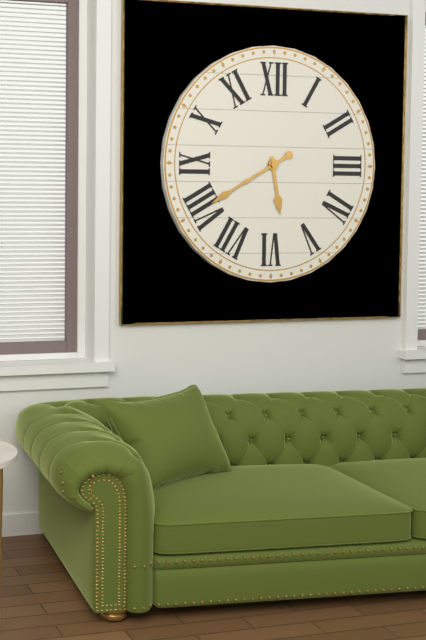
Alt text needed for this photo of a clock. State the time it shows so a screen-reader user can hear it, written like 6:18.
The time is 5:40
